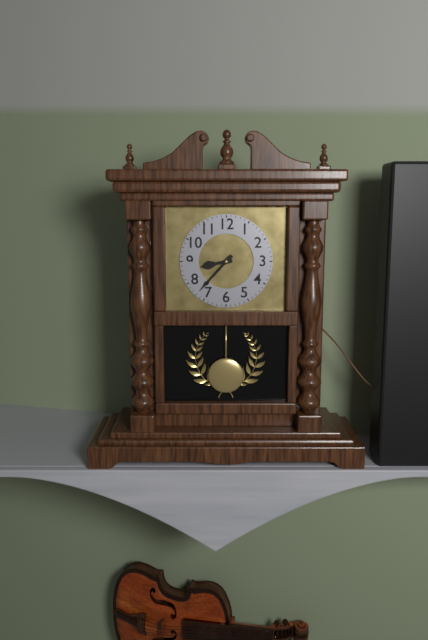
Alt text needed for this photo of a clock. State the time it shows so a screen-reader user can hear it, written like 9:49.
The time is 8:37
